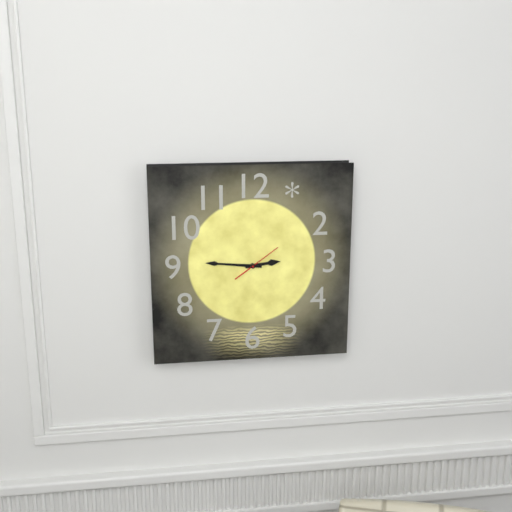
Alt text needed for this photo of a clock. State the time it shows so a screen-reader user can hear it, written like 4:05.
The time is 2:46
